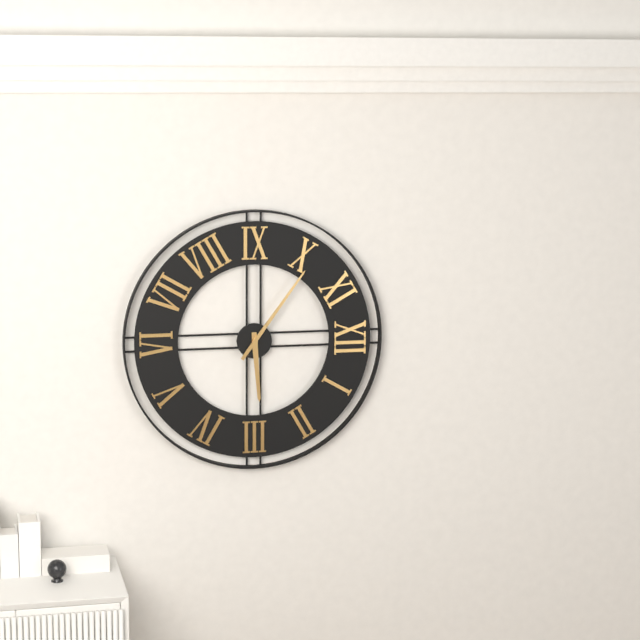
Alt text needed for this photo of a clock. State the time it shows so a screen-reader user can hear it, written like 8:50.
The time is 2:51
